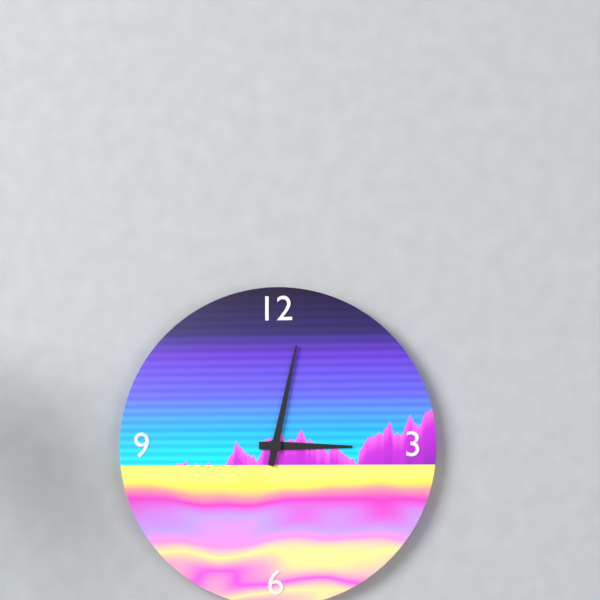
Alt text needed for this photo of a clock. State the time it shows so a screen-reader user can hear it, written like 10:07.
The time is 3:02
